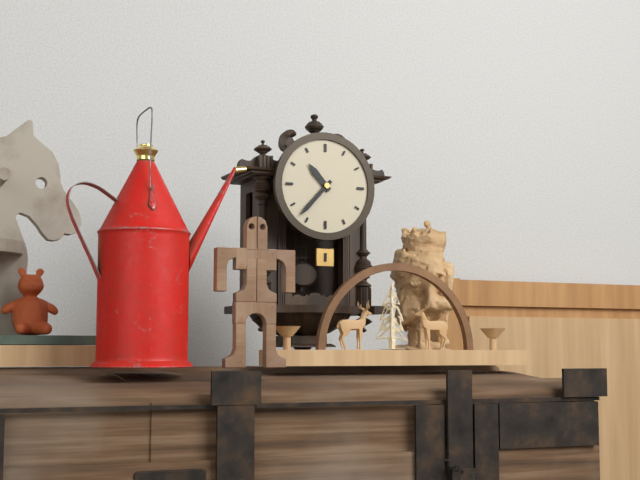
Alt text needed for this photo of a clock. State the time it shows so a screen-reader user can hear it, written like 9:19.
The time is 10:37
